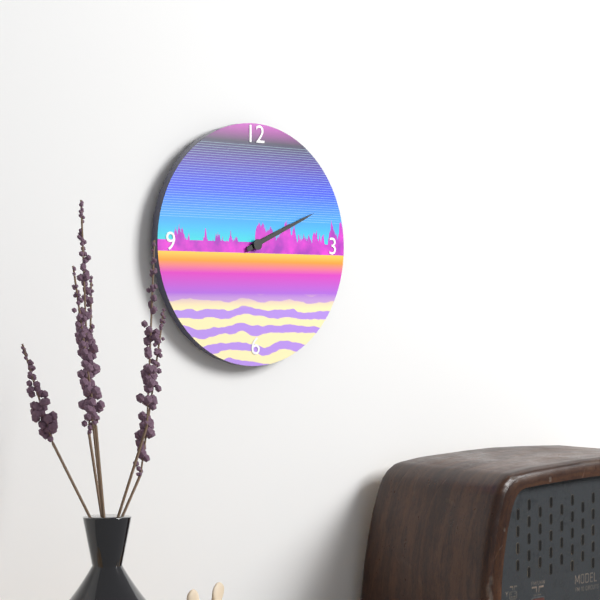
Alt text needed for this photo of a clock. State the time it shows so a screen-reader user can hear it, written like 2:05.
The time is 2:11
